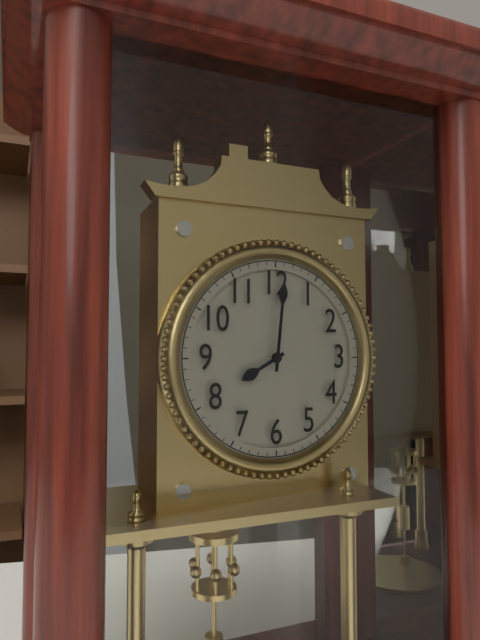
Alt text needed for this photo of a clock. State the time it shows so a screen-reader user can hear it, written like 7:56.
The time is 8:01
